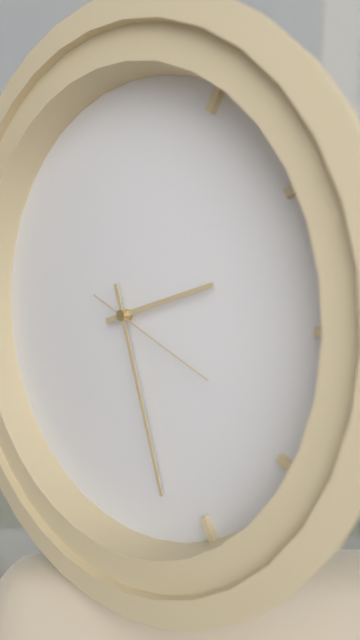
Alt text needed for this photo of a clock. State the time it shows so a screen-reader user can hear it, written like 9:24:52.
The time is 2:27:19
